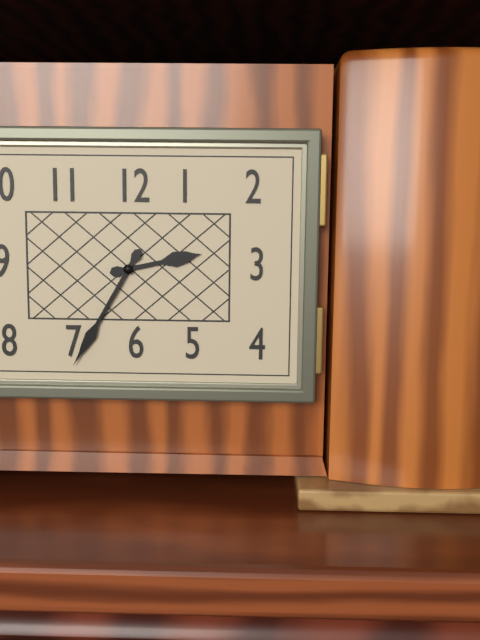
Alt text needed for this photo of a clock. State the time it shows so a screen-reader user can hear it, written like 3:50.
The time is 2:35
